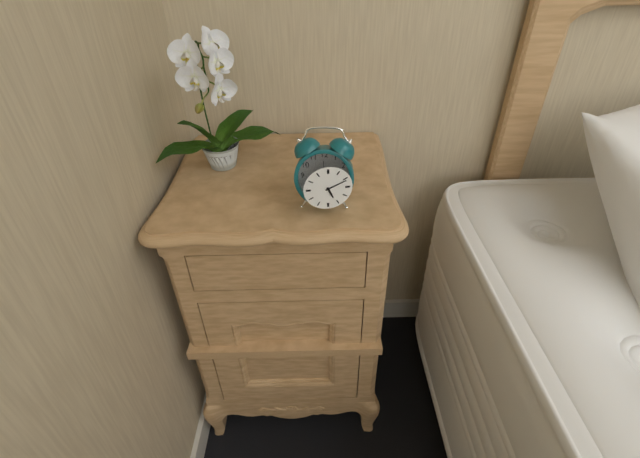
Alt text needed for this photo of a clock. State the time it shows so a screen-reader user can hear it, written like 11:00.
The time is 5:11
